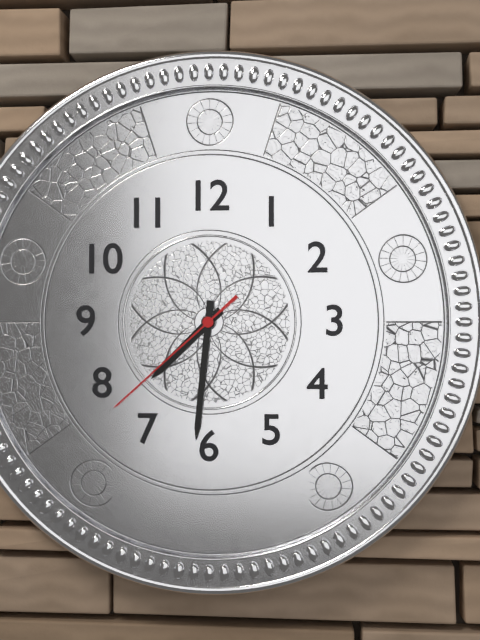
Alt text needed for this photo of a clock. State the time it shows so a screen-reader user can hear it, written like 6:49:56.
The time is 7:31:38
